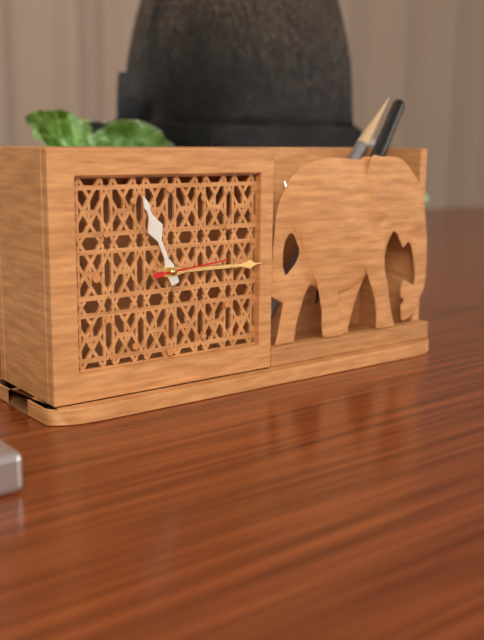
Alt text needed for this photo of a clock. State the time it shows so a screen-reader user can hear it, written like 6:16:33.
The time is 11:15:14
